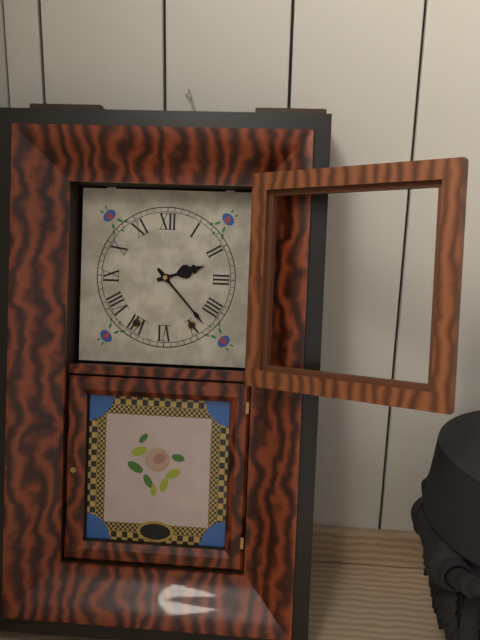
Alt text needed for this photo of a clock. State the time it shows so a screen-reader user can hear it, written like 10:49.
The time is 2:23
